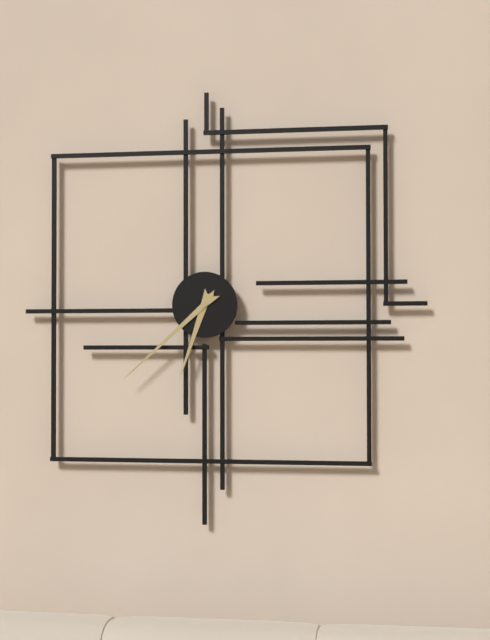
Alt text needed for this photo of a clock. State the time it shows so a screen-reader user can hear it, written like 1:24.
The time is 6:38
